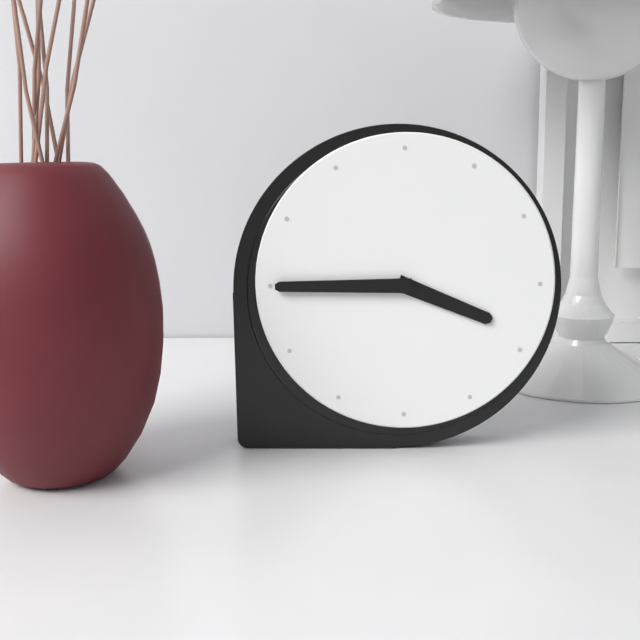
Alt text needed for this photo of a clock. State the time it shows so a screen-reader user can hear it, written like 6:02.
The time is 3:45
